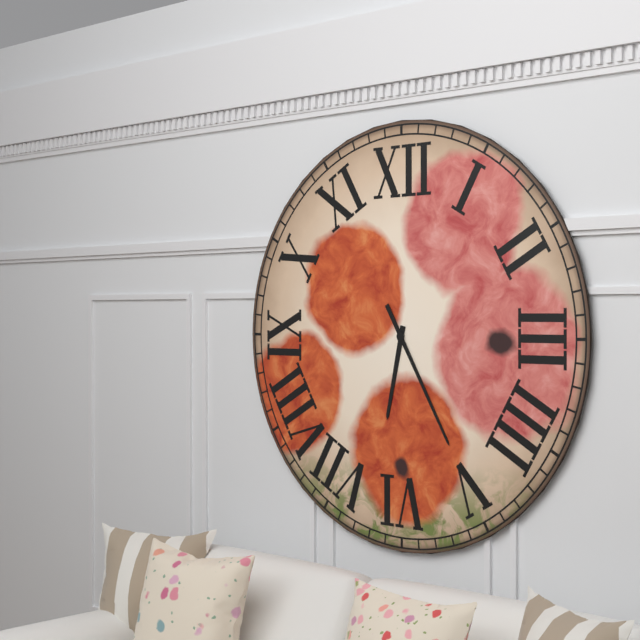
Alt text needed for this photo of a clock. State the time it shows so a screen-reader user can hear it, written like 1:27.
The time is 6:25
